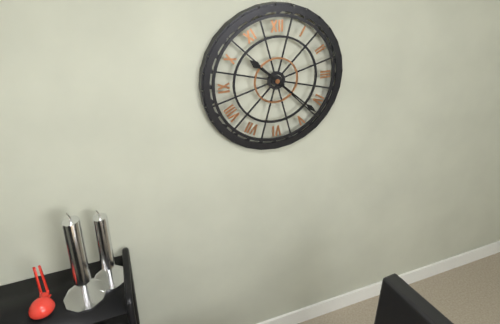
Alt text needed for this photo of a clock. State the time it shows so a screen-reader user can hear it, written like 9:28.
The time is 10:22
